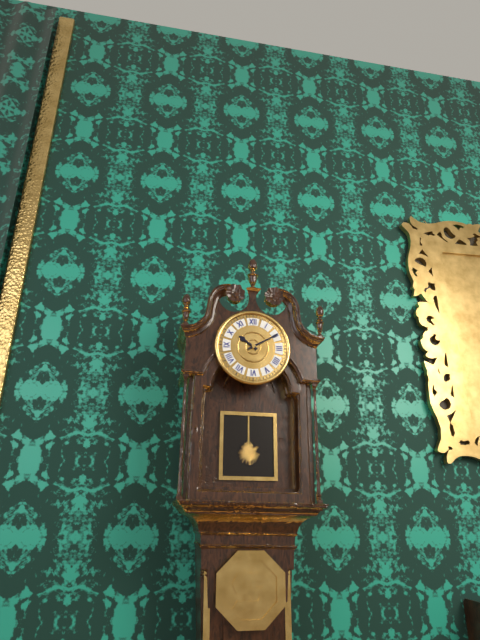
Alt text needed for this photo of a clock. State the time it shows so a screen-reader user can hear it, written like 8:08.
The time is 10:10
